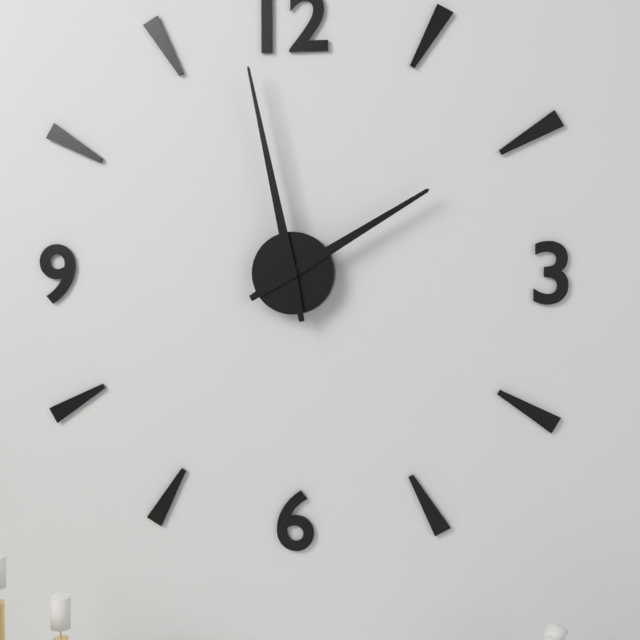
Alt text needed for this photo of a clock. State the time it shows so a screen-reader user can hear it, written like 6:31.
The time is 1:58
